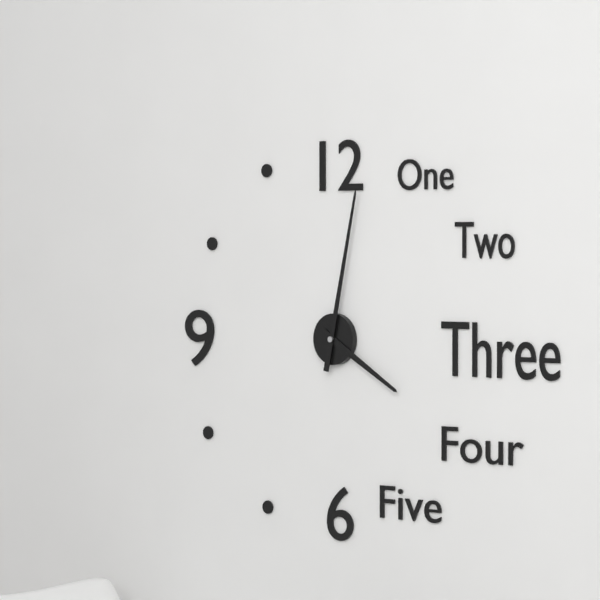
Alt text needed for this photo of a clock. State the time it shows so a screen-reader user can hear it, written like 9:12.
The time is 4:02
